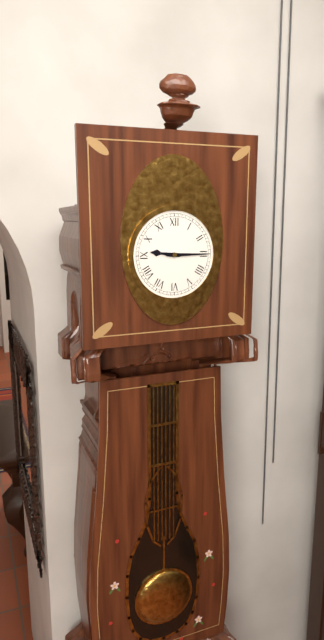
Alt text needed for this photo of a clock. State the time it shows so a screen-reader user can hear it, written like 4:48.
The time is 9:15
